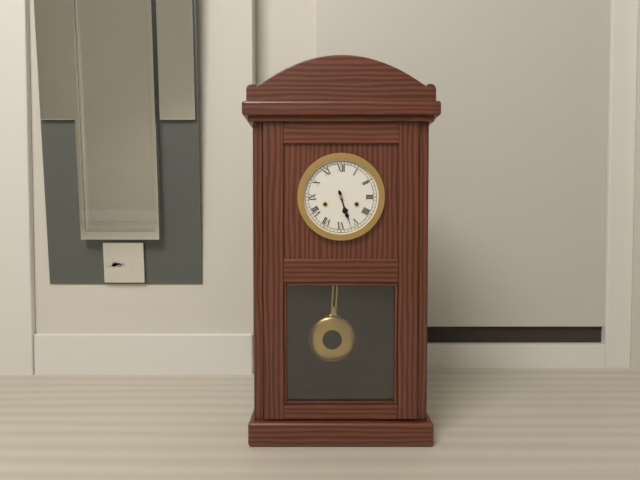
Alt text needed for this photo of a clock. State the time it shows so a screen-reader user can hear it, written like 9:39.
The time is 5:27
